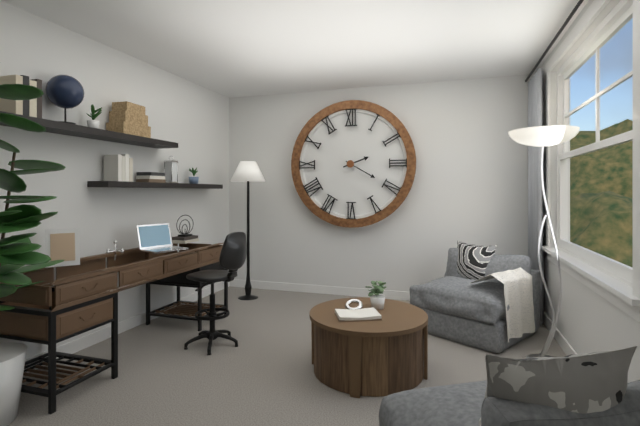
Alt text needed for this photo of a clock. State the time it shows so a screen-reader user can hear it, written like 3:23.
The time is 2:20
